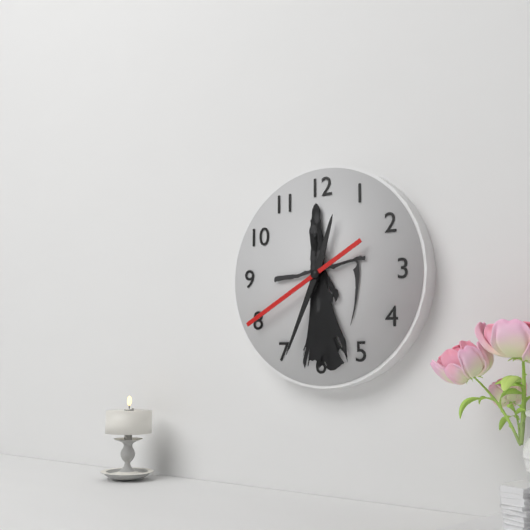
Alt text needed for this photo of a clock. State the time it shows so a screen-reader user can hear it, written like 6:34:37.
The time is 12:34:40
